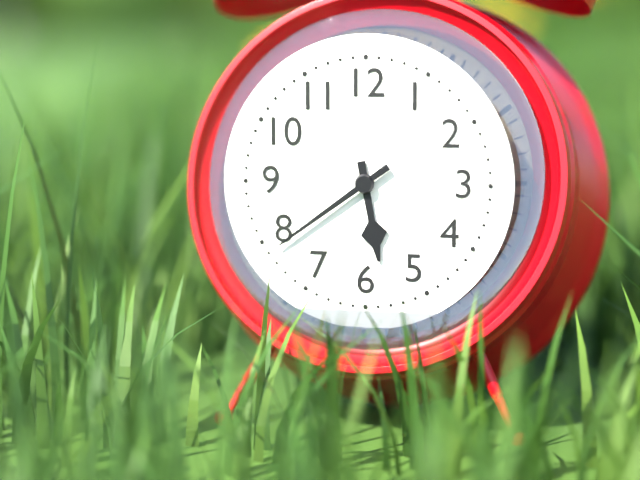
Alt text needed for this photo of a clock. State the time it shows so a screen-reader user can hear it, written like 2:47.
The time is 5:39
